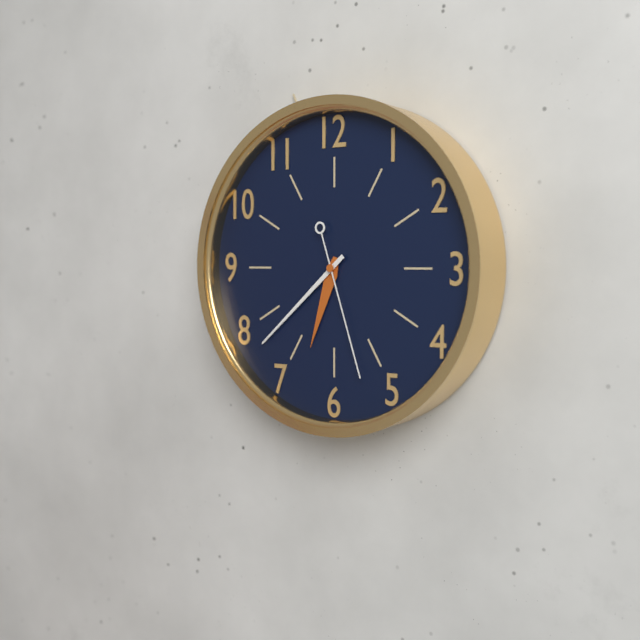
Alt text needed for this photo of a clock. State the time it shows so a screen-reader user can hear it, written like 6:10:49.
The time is 6:38:27
